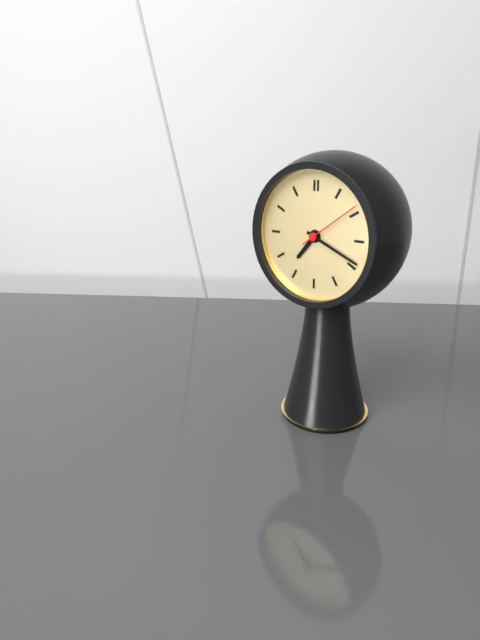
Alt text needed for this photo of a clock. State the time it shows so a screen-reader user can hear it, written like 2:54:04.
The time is 7:19:09
